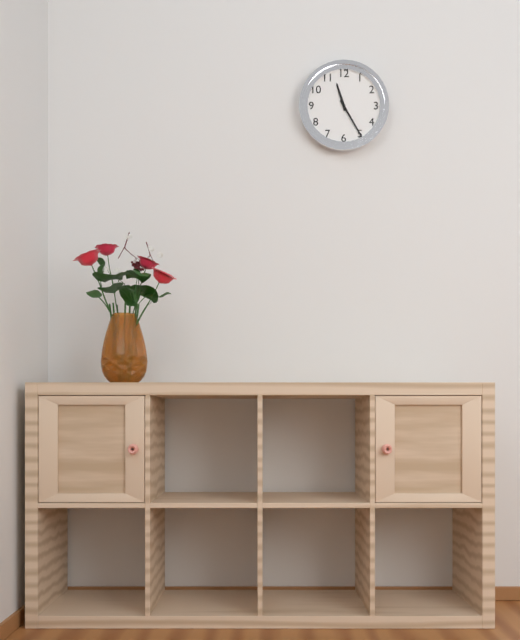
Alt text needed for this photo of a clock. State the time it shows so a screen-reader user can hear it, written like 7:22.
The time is 11:25
